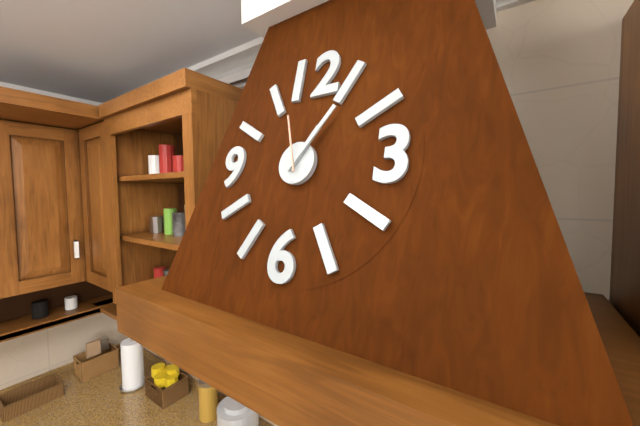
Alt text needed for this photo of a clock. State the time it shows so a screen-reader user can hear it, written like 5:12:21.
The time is 1:06:57
